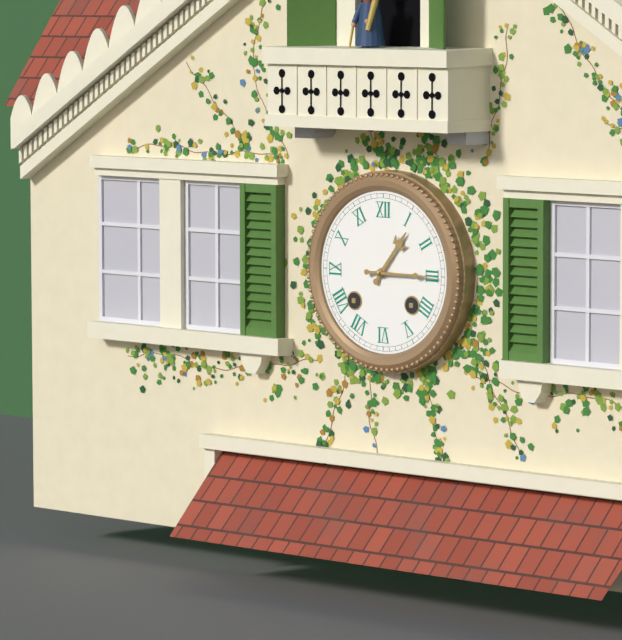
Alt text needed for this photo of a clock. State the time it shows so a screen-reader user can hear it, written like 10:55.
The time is 1:15
